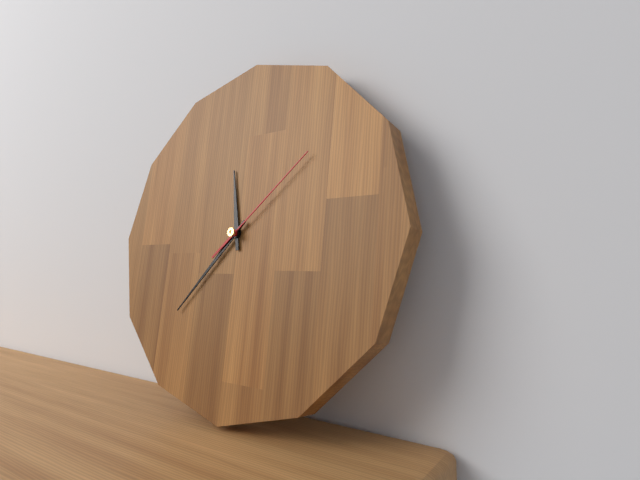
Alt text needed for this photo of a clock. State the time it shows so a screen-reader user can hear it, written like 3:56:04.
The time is 11:37:08
